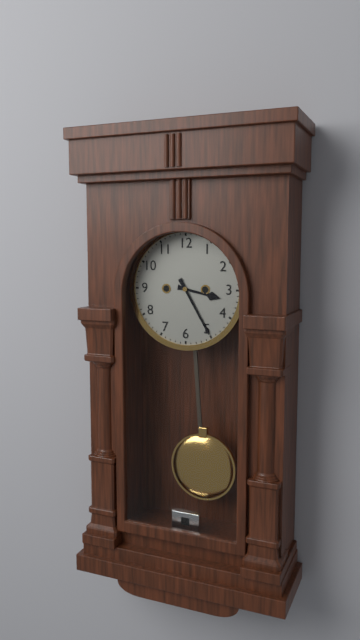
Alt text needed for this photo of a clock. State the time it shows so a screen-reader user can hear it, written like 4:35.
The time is 3:25
